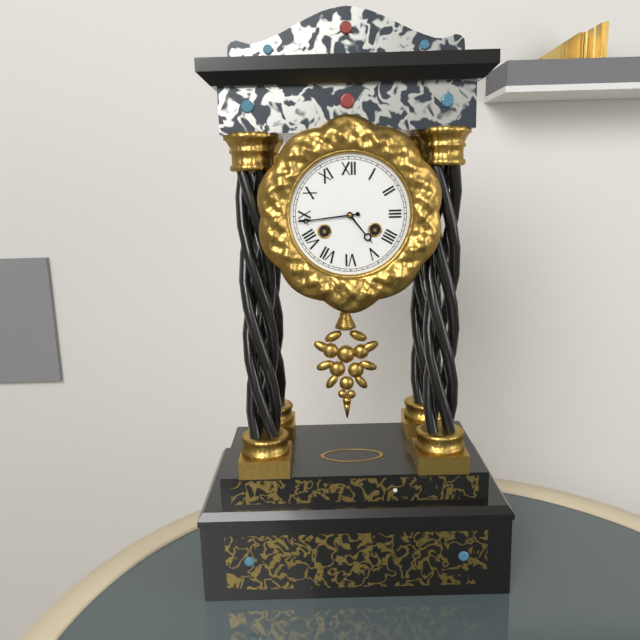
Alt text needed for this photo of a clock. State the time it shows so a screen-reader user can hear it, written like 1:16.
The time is 4:44
